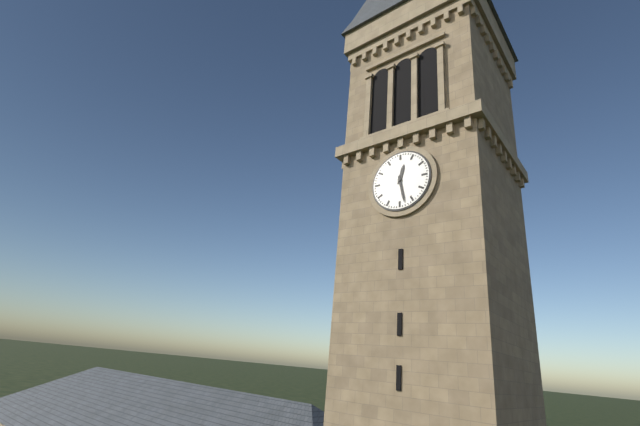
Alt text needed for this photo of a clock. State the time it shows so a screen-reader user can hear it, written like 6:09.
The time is 12:28
